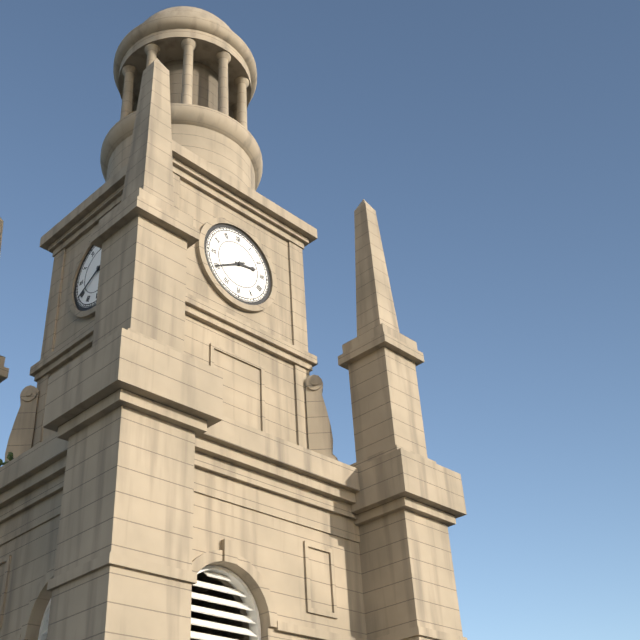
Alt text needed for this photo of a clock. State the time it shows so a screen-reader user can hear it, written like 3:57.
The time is 2:40
